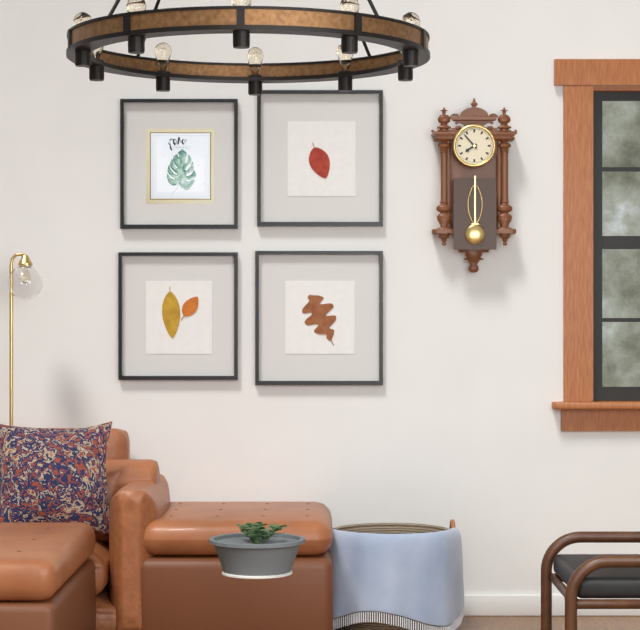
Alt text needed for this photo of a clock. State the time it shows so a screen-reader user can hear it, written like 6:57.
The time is 7:53
